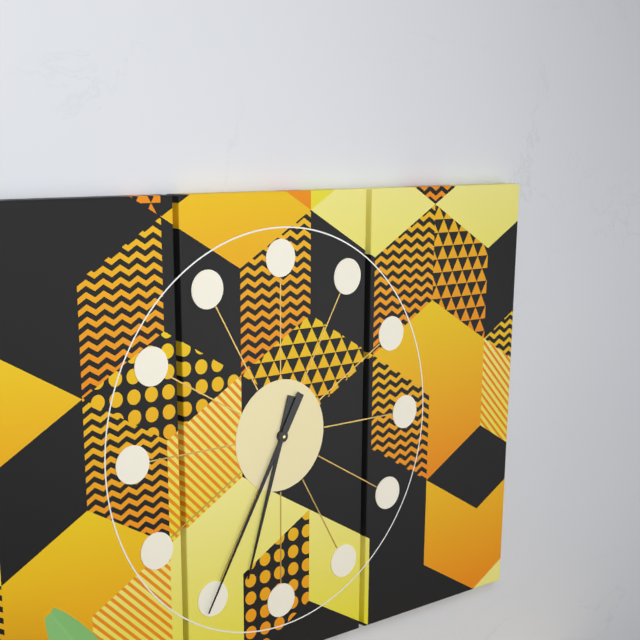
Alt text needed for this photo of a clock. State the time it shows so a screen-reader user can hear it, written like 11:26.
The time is 6:35
